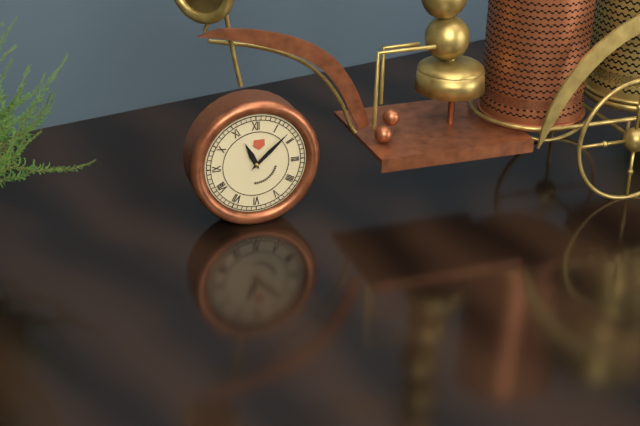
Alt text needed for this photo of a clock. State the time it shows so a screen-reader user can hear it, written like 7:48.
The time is 11:08
